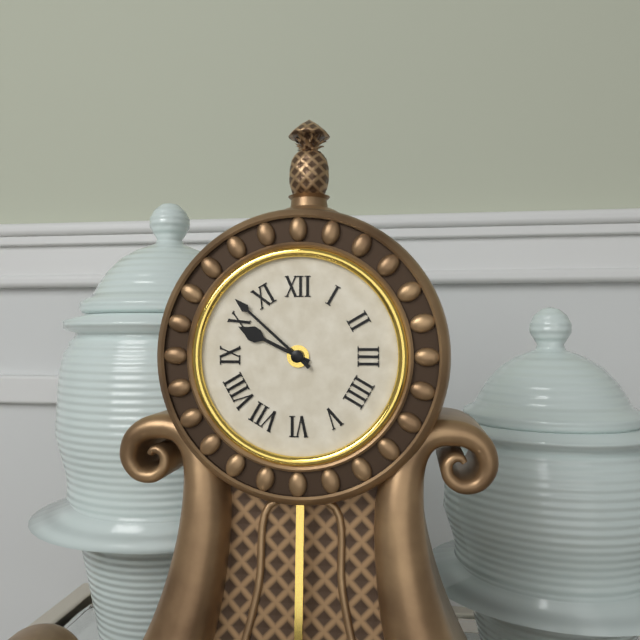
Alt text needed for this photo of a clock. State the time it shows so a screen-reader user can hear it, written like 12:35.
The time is 9:52
